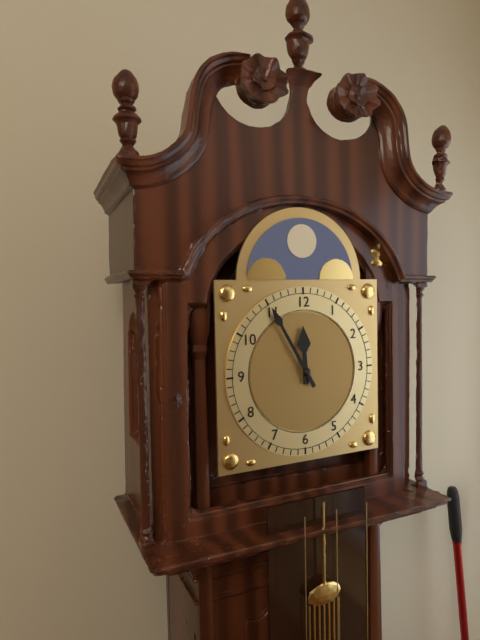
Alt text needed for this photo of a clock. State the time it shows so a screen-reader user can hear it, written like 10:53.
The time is 11:55
